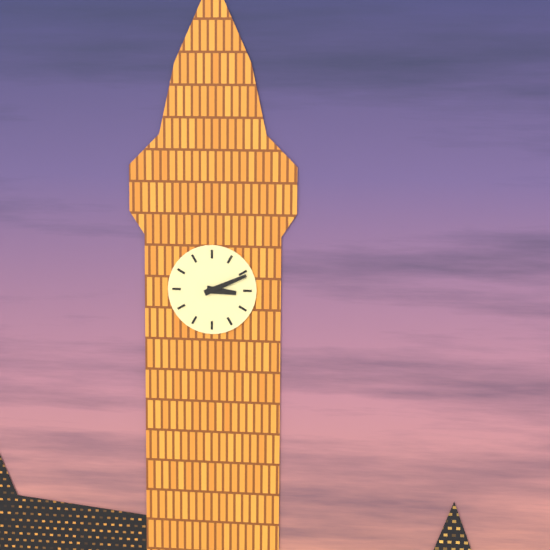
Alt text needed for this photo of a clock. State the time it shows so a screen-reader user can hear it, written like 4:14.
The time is 3:11
